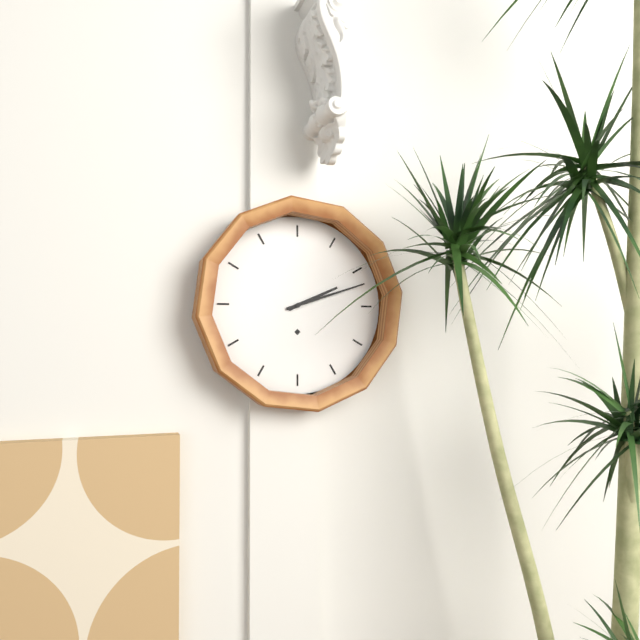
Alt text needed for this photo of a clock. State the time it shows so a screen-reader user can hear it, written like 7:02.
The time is 2:12
